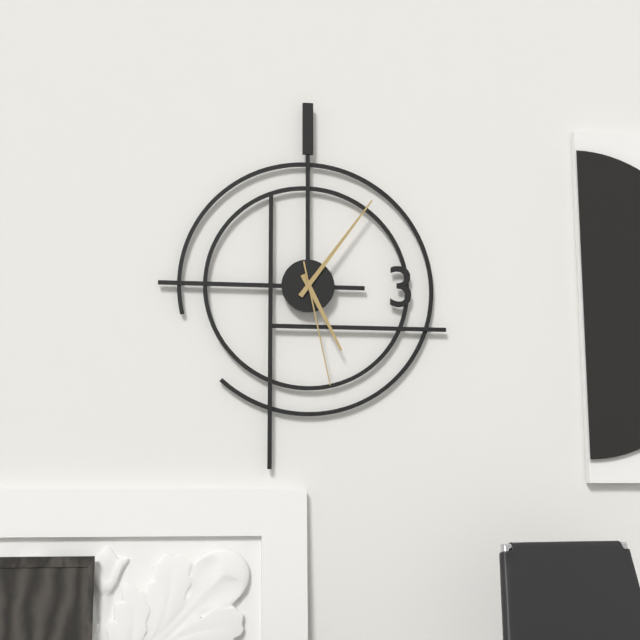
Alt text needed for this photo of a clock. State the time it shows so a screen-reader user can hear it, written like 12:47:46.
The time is 5:06:28
